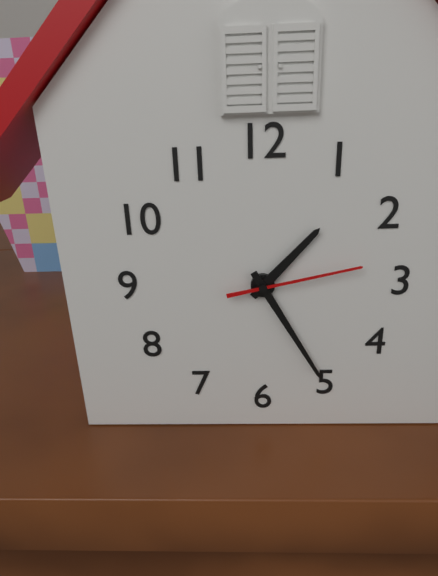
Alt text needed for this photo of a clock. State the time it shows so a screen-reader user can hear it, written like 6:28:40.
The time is 1:25:13
